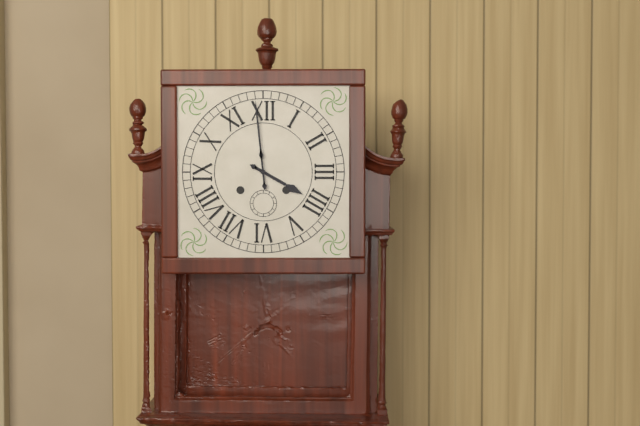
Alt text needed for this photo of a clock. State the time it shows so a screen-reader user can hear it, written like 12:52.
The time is 3:59
